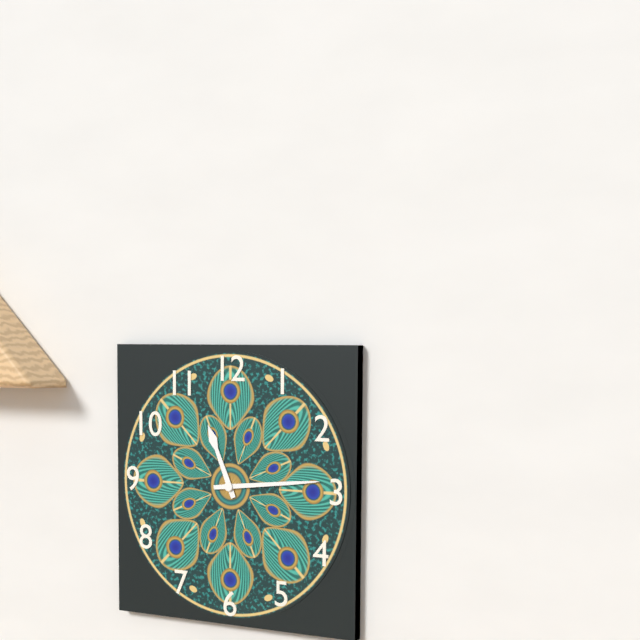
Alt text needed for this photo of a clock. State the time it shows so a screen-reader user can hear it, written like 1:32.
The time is 11:14
